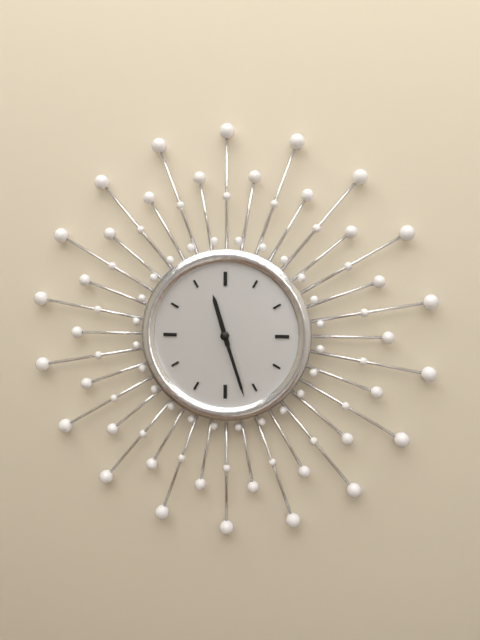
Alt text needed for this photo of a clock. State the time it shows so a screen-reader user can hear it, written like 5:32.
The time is 11:27
